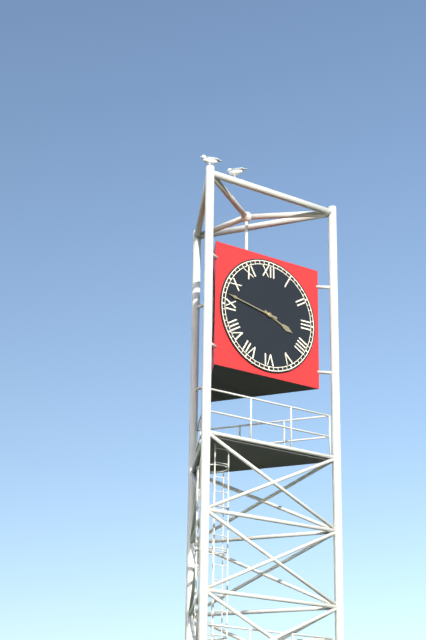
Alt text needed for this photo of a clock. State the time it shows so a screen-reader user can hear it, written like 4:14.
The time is 3:47
